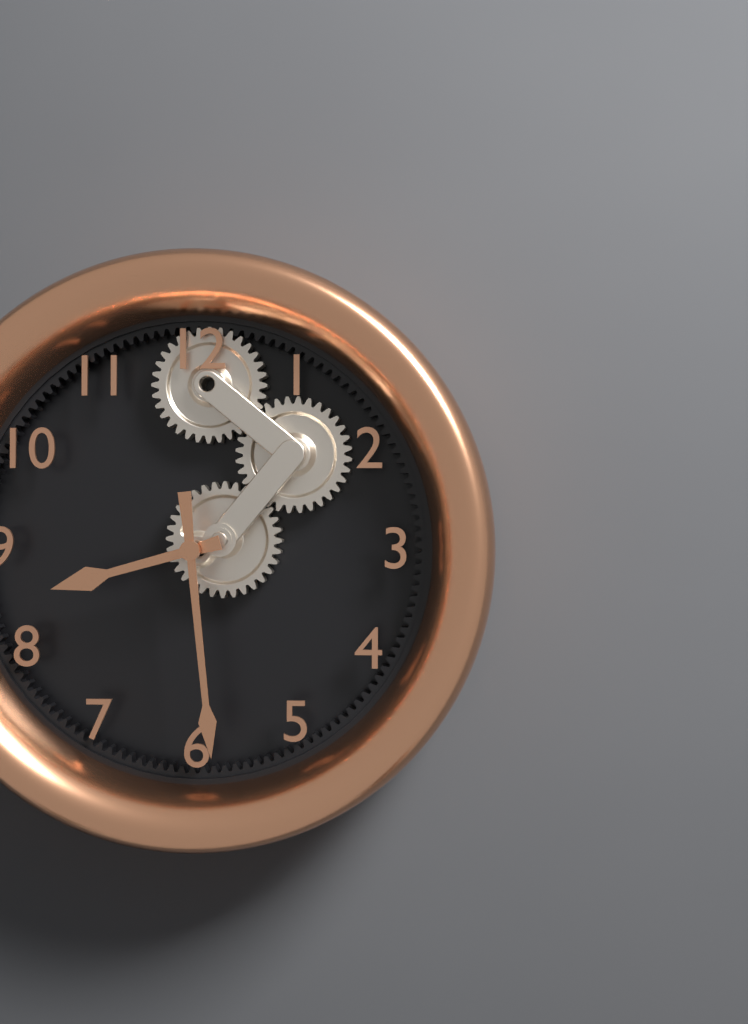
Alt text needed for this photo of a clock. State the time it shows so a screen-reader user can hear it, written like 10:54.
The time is 8:29
